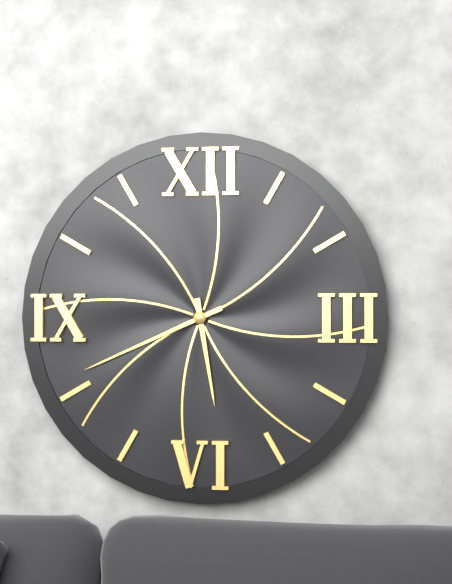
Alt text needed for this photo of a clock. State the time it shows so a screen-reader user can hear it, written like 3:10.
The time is 5:41
